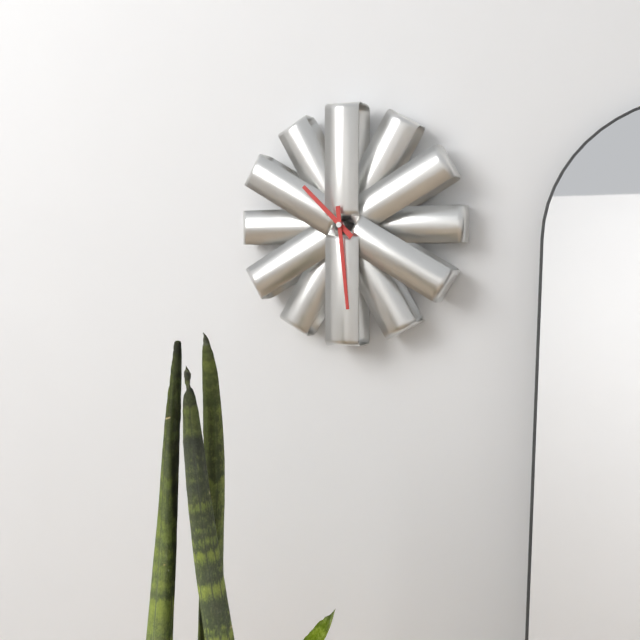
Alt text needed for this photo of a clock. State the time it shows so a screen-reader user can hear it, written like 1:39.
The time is 10:29
